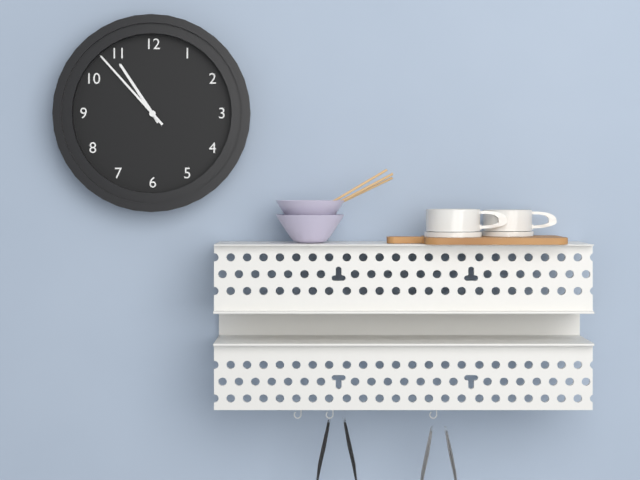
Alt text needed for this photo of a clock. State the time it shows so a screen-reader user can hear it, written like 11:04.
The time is 10:53
